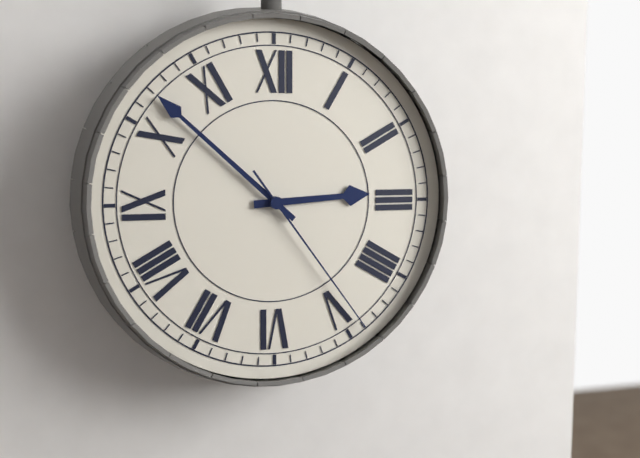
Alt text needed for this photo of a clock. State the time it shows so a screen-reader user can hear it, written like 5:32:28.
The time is 2:52:24
